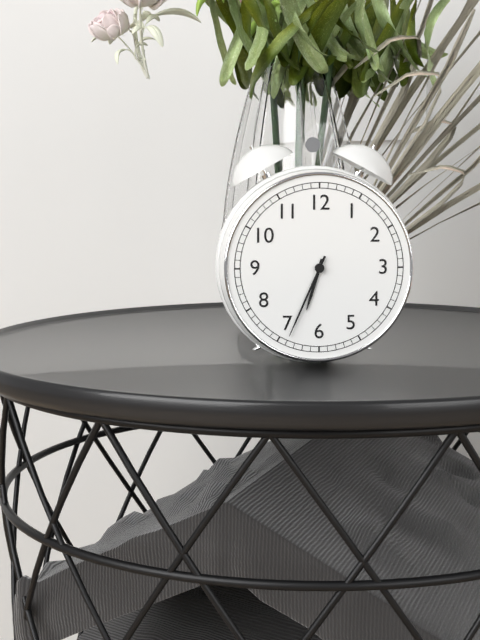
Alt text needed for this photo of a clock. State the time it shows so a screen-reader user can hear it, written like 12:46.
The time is 6:34
